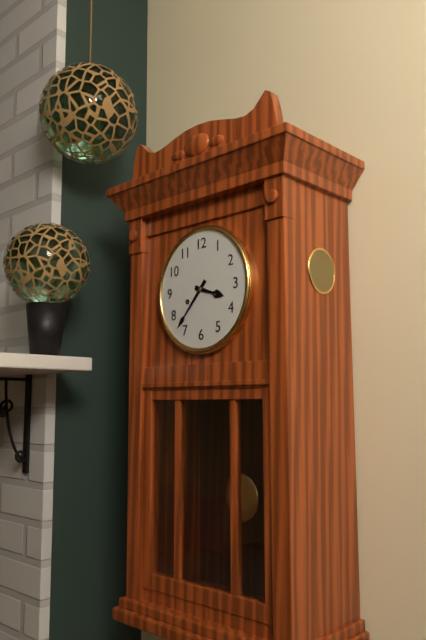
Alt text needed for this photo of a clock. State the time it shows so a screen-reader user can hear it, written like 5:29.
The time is 3:37
